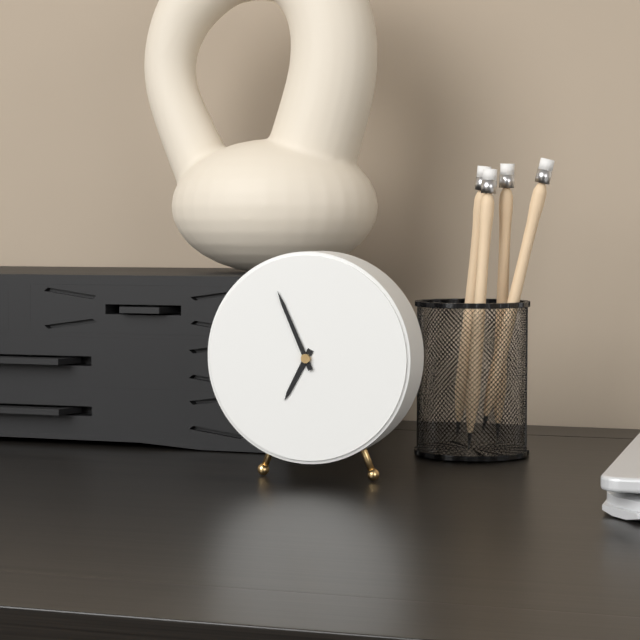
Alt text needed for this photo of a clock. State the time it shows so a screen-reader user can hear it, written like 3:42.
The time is 6:56
